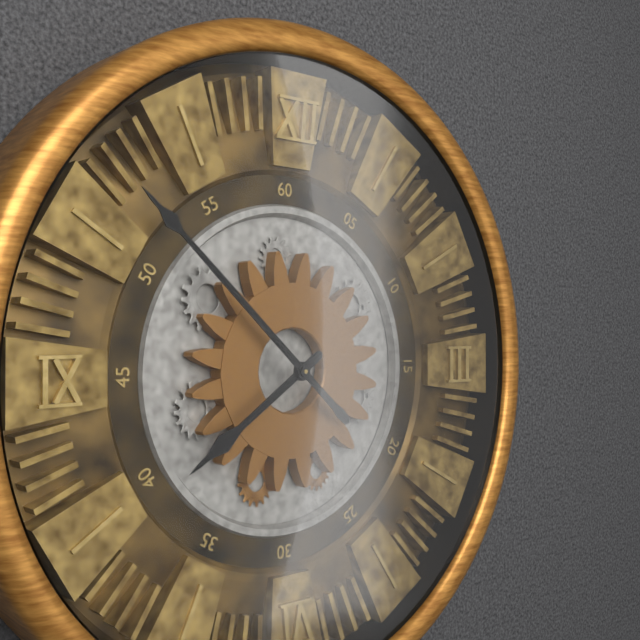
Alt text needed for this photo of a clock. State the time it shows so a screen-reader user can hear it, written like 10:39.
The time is 7:52
